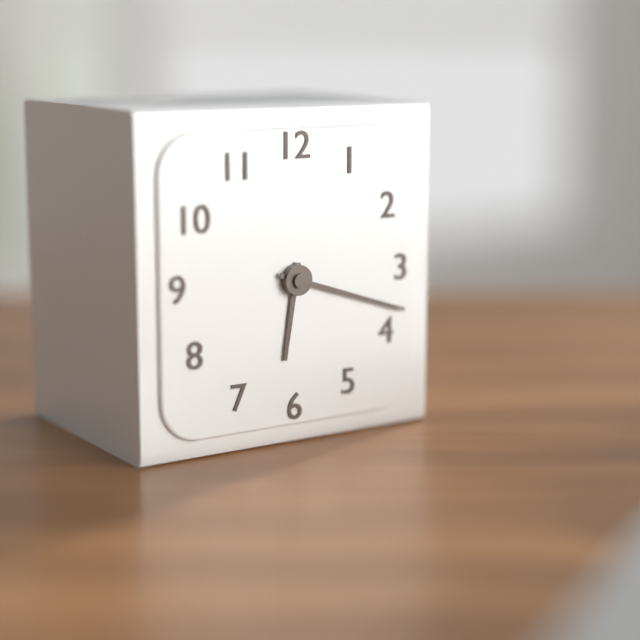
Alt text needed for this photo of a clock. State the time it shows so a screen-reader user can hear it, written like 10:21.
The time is 6:18
